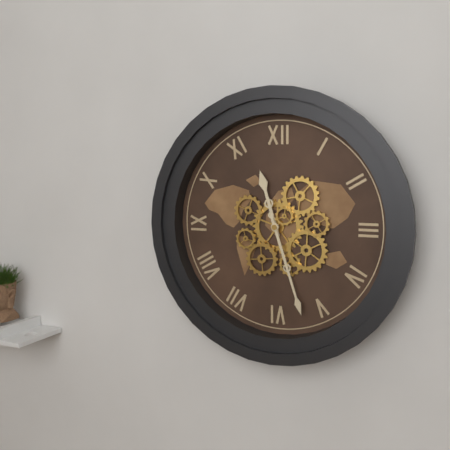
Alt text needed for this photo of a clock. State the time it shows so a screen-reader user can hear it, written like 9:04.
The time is 11:27
